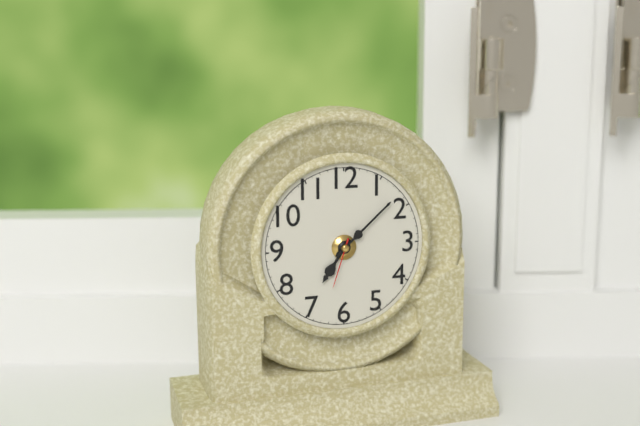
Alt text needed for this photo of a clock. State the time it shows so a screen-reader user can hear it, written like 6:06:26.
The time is 7:08:33
